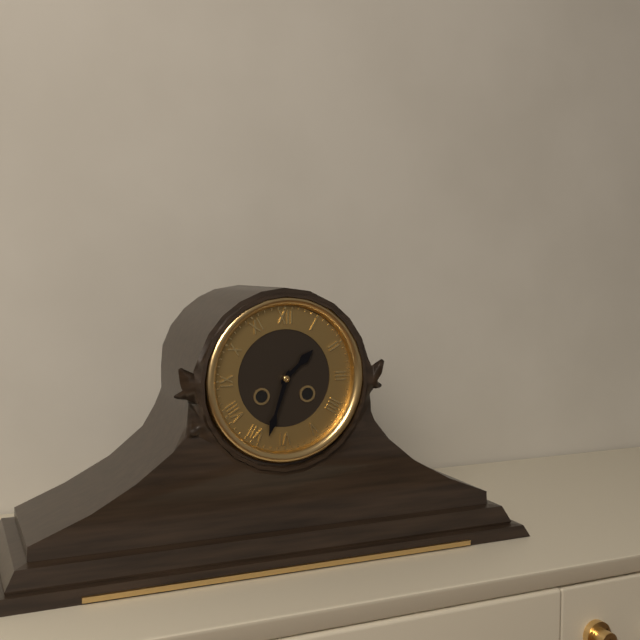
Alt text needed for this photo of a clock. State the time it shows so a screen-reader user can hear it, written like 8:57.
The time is 1:33
